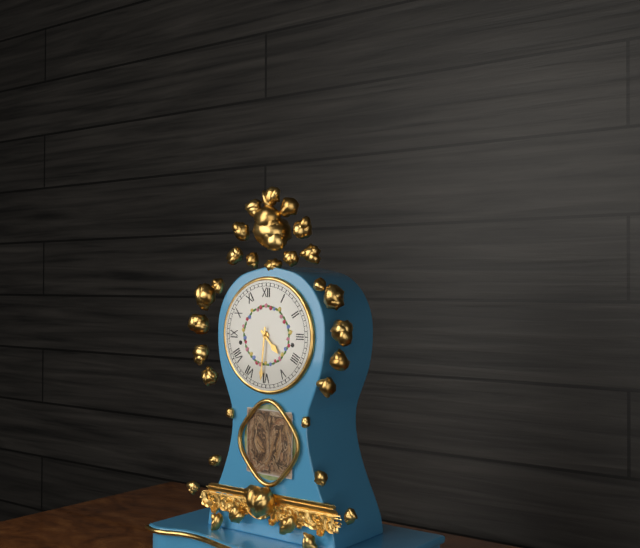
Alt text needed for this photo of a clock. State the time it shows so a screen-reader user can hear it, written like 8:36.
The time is 4:31
